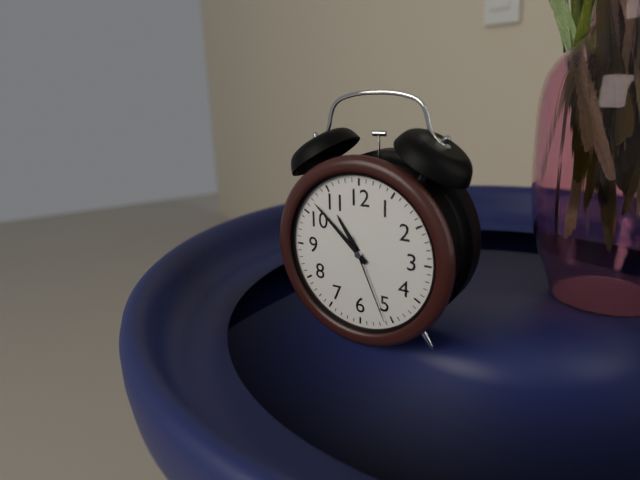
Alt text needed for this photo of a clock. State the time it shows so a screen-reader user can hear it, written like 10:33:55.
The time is 10:52:26
